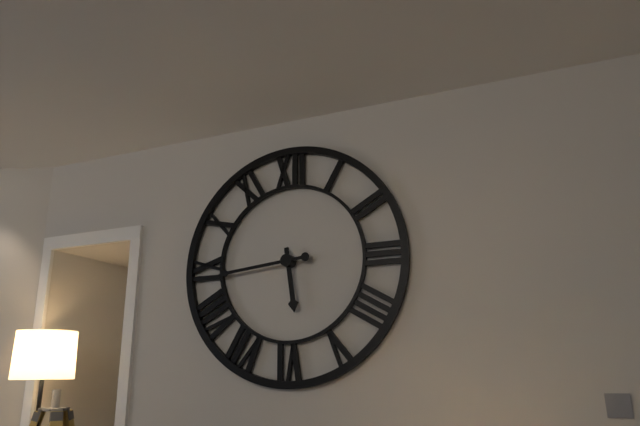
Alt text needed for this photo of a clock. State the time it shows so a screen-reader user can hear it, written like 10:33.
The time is 5:44
